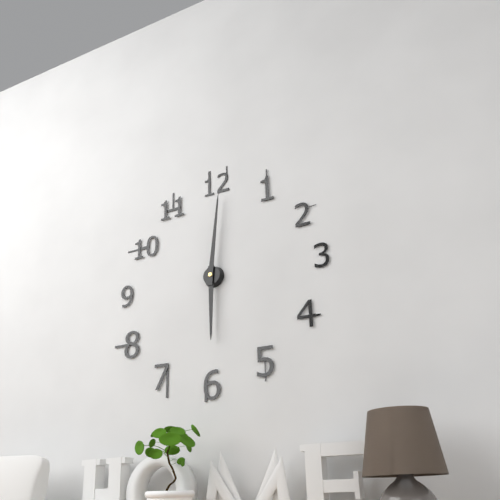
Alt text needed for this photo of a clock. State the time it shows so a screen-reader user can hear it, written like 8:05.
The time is 6:01
